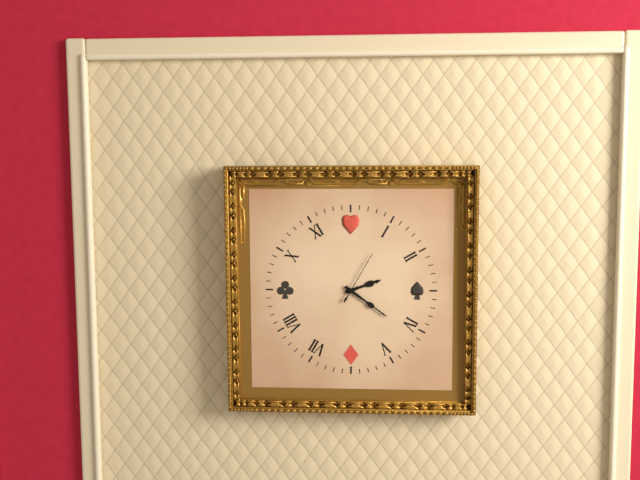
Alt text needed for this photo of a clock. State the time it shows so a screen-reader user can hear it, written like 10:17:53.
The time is 2:21:05
